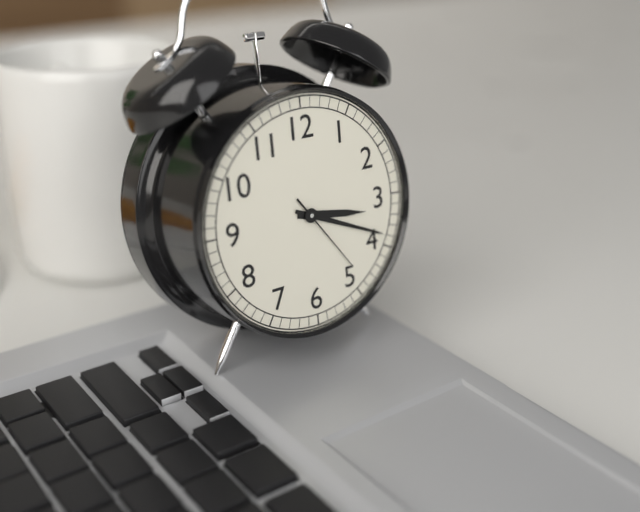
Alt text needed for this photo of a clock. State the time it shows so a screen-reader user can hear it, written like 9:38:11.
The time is 3:19:24
